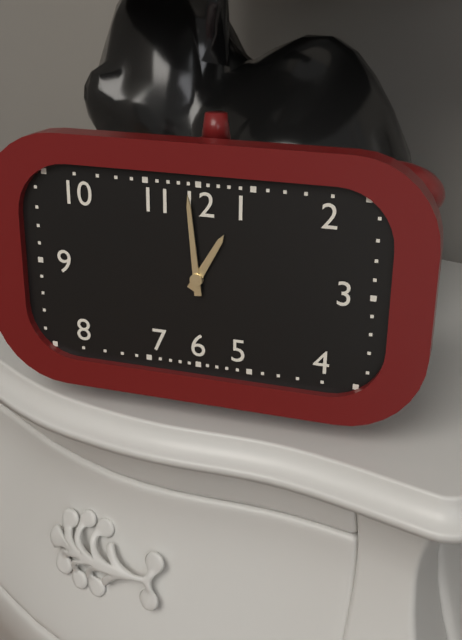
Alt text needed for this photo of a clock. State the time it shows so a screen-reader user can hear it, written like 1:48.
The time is 12:59
